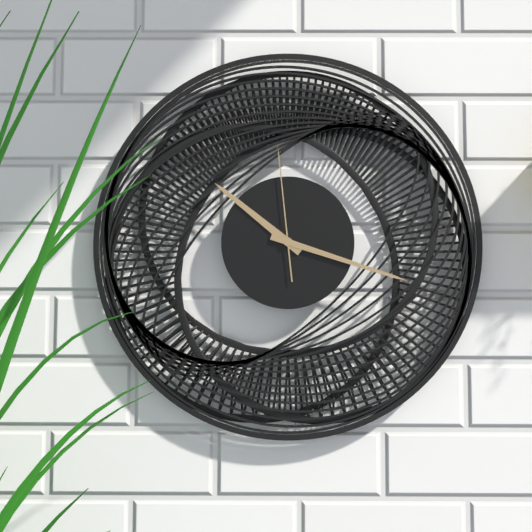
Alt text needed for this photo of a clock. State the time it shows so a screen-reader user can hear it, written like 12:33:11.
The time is 10:18:59
